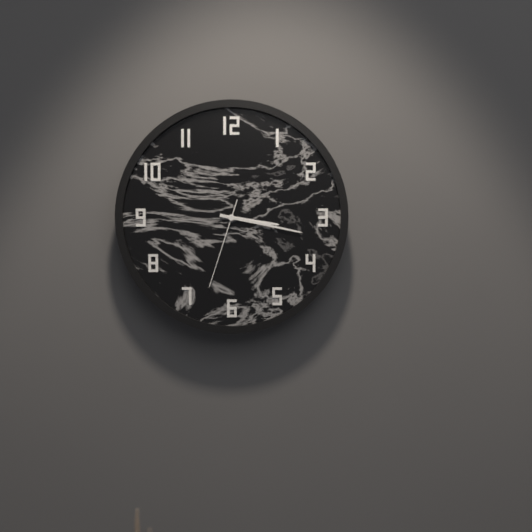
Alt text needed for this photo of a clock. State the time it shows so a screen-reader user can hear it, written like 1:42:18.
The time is 3:17:33
